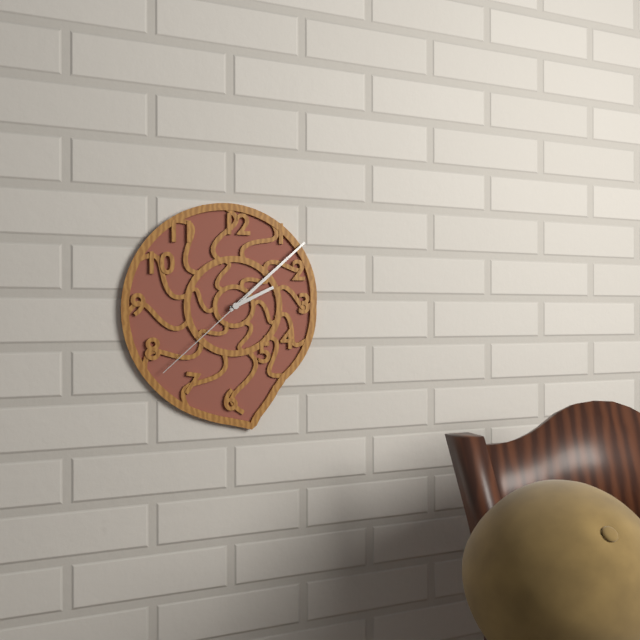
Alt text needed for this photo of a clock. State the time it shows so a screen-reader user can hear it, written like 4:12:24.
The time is 2:08:38
